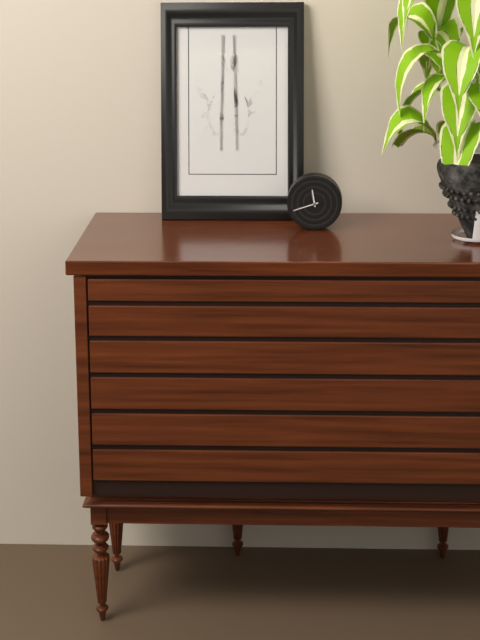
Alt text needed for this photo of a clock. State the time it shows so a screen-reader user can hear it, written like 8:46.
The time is 11:42
